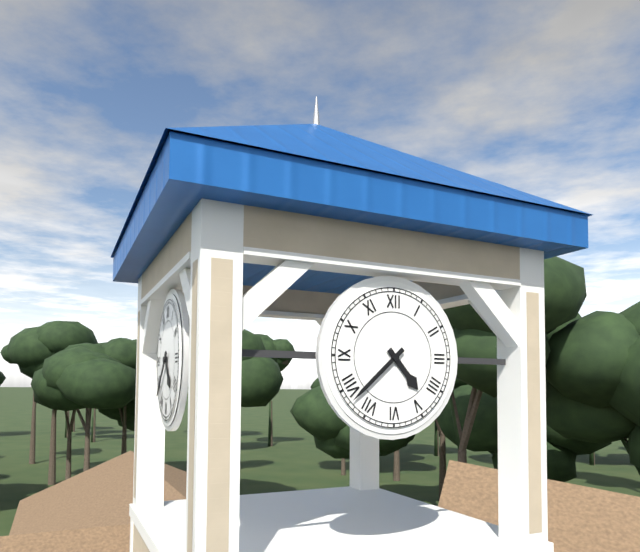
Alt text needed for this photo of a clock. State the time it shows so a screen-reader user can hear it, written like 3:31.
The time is 4:38
